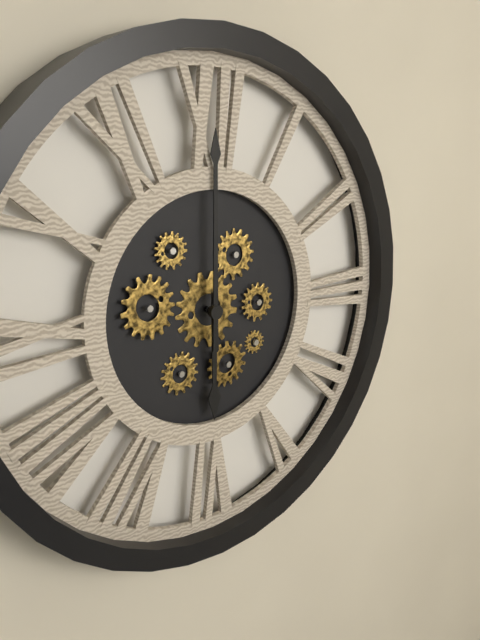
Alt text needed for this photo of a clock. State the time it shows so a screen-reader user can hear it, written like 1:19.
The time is 6:00
